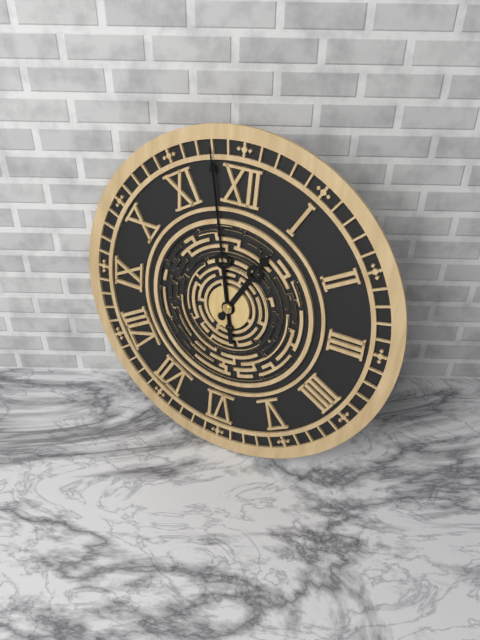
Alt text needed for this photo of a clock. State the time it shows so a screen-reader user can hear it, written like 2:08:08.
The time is 12:58:58
